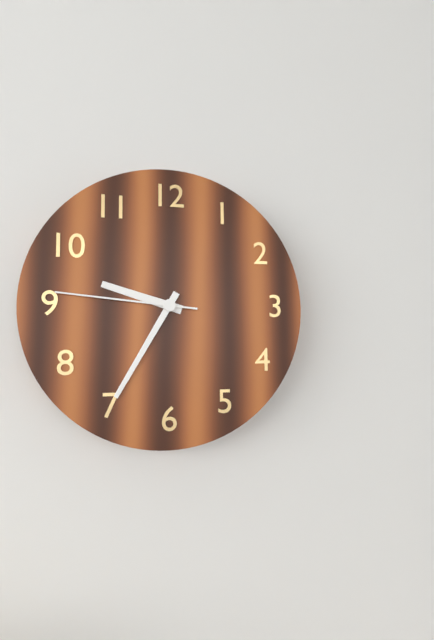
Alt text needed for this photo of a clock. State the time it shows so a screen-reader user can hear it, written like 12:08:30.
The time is 9:35:46
